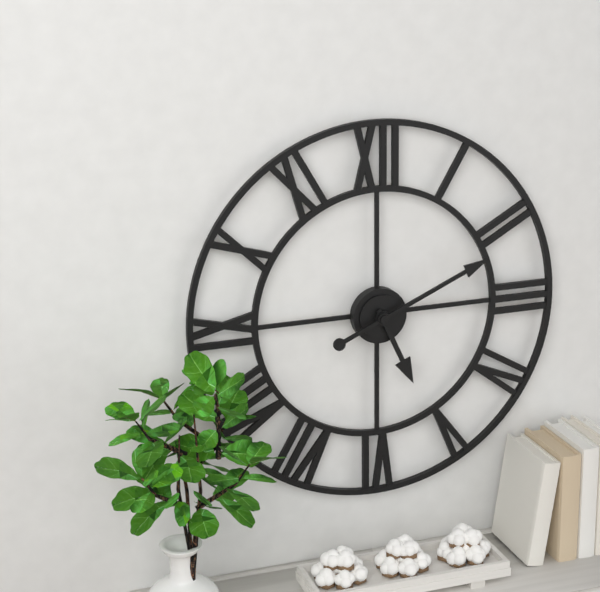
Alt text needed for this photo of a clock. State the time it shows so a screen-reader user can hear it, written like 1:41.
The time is 5:11
